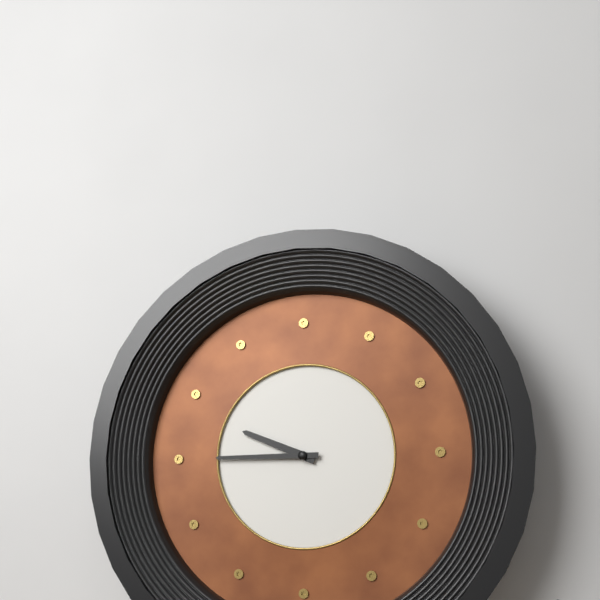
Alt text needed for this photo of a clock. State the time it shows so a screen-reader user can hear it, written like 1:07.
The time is 9:45
